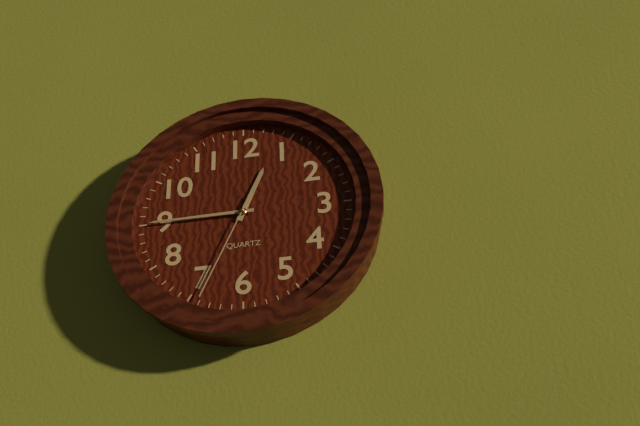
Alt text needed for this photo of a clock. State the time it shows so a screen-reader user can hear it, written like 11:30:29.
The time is 12:45:34
